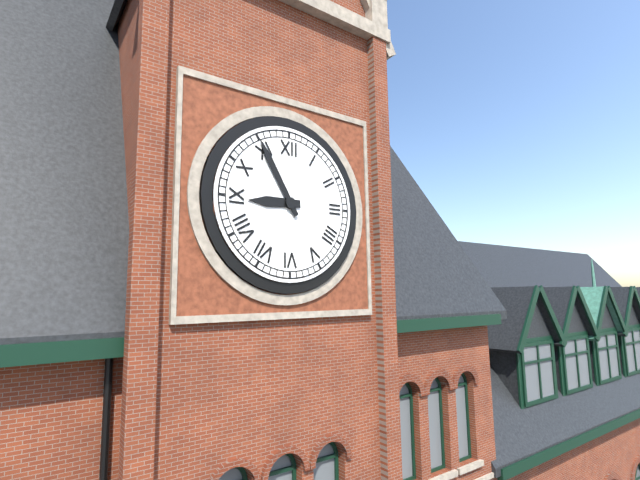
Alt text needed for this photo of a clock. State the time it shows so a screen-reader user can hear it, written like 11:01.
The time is 8:55
